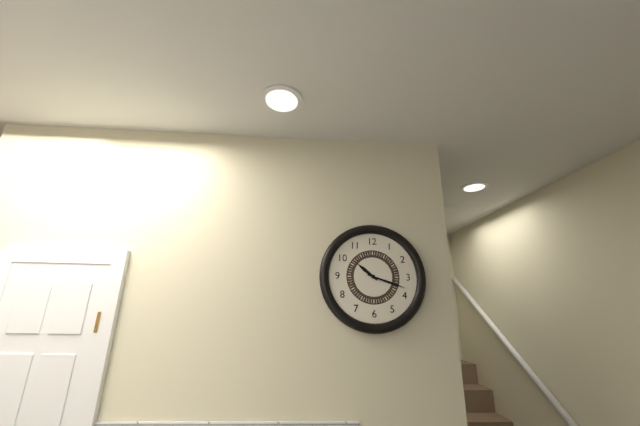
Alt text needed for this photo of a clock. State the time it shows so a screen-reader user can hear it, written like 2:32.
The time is 10:18
